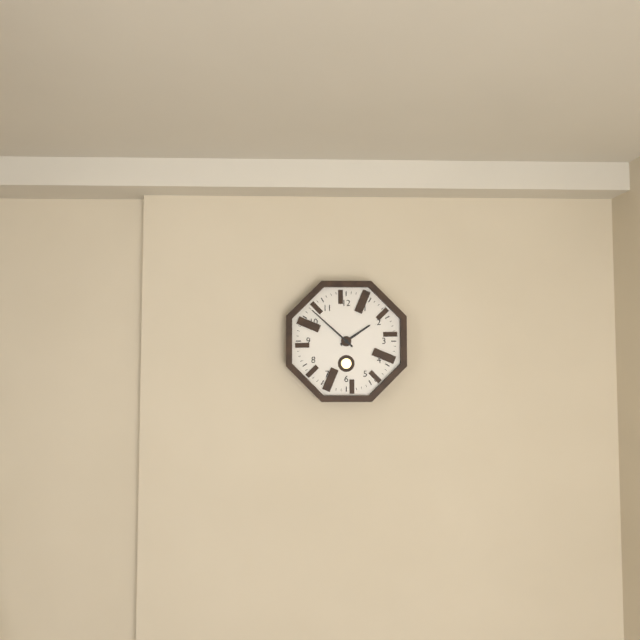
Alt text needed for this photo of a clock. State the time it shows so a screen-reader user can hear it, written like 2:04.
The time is 1:52
